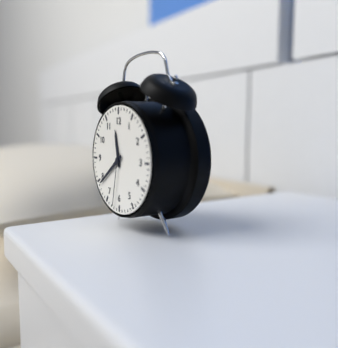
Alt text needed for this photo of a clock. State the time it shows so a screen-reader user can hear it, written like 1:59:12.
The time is 11:39:32
